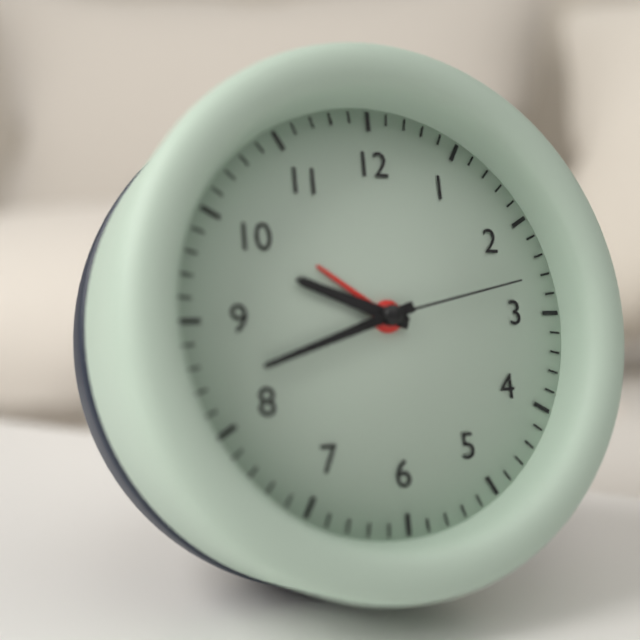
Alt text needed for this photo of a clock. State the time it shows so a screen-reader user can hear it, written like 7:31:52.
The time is 9:42:13
